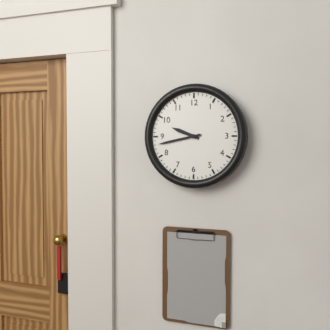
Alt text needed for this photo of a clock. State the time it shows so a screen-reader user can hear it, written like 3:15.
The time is 9:43
